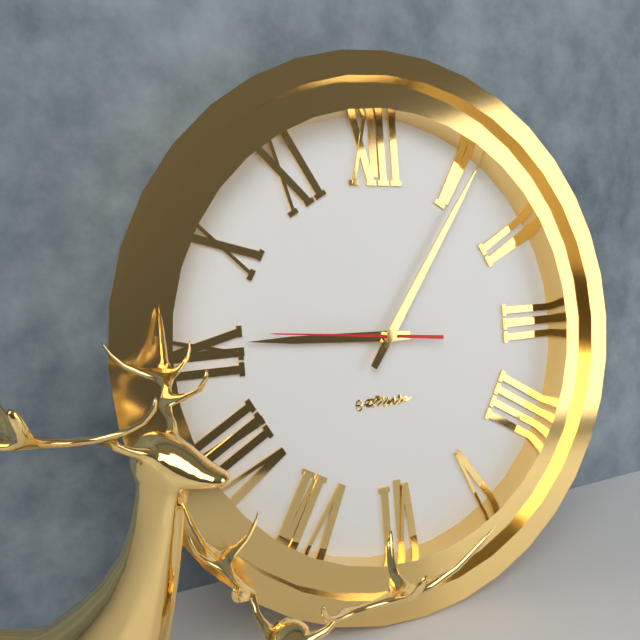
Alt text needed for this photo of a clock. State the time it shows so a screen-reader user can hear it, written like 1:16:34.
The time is 9:06:46
